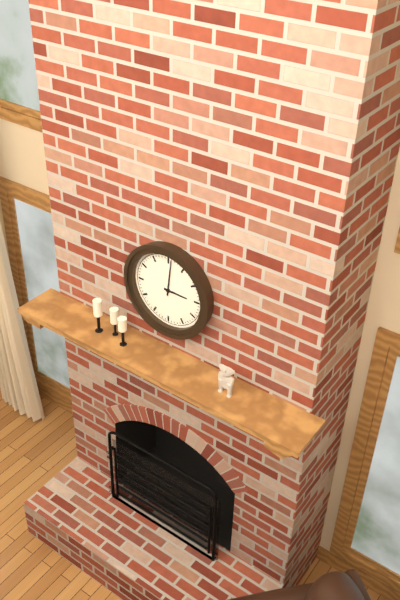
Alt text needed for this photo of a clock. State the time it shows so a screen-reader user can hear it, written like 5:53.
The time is 3:01
